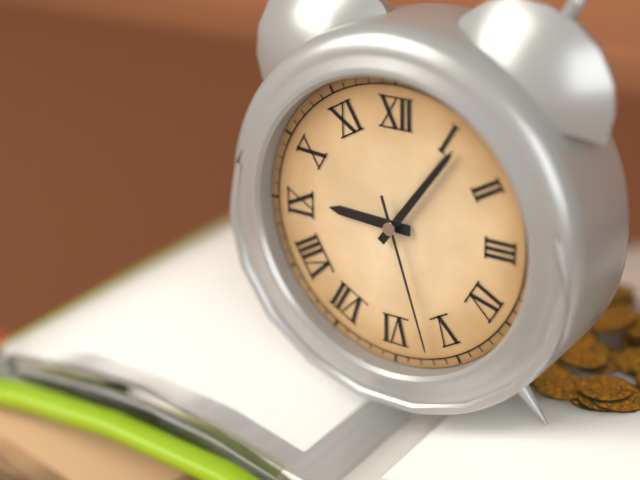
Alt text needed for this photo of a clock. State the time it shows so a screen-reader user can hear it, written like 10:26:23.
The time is 9:06:27
